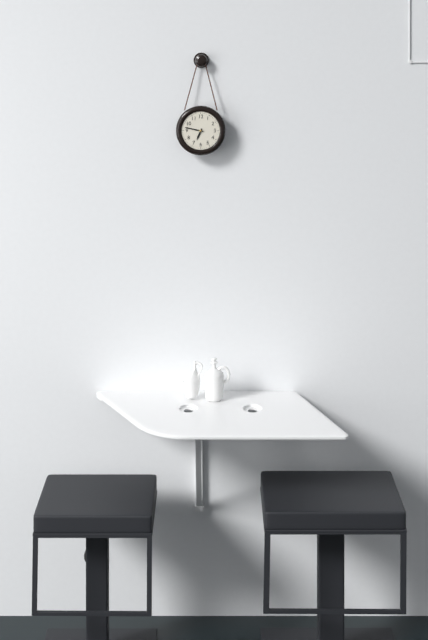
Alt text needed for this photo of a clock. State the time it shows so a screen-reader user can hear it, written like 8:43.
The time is 6:47
